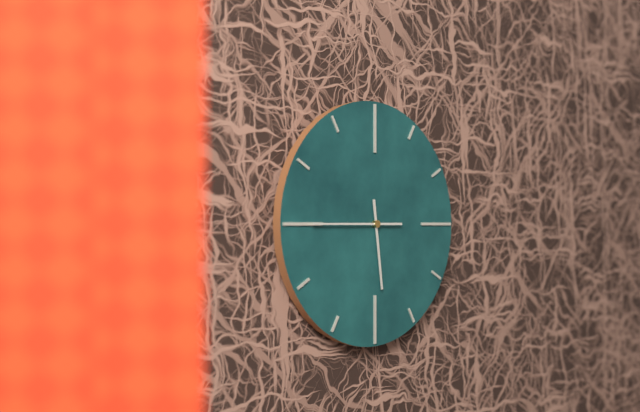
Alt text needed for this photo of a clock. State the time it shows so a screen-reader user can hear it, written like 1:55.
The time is 5:45
